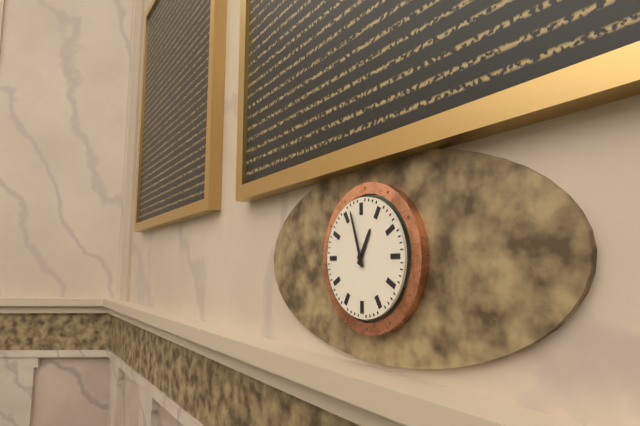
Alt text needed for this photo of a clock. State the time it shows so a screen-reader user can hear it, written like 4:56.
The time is 12:57
